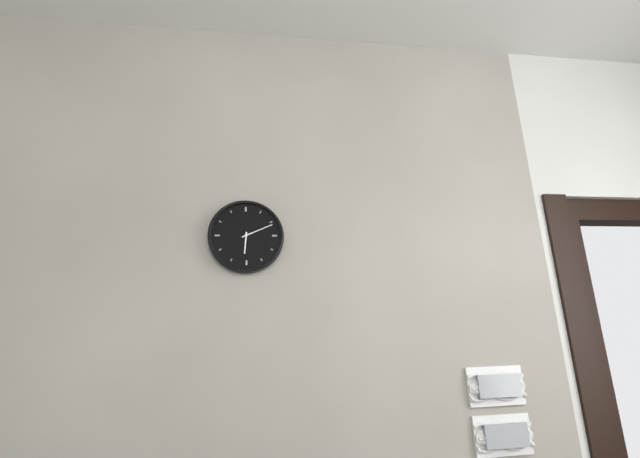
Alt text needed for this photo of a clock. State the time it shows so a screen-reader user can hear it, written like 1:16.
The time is 6:11
